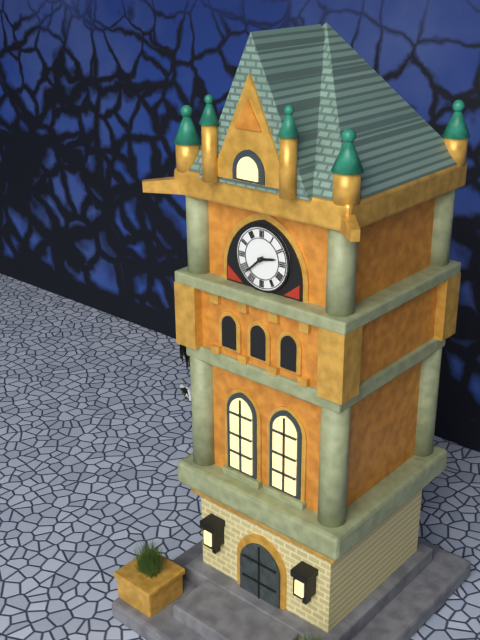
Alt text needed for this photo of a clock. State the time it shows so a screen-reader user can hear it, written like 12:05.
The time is 2:38
